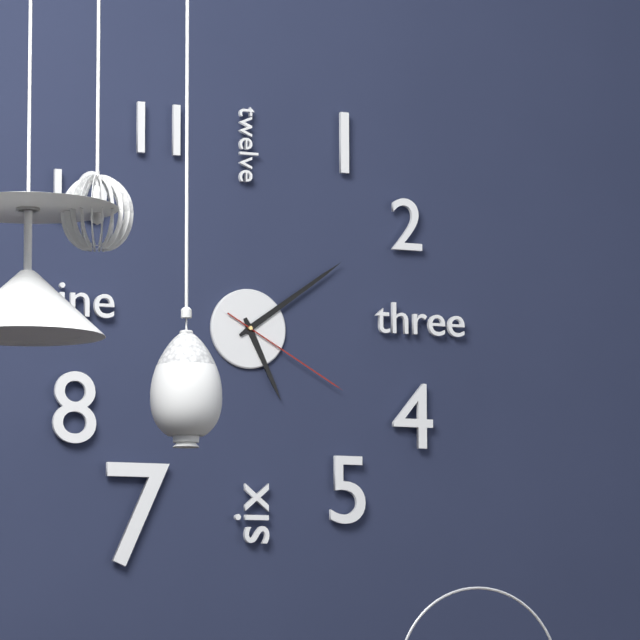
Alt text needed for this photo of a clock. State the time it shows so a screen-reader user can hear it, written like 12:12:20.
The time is 5:09:20
